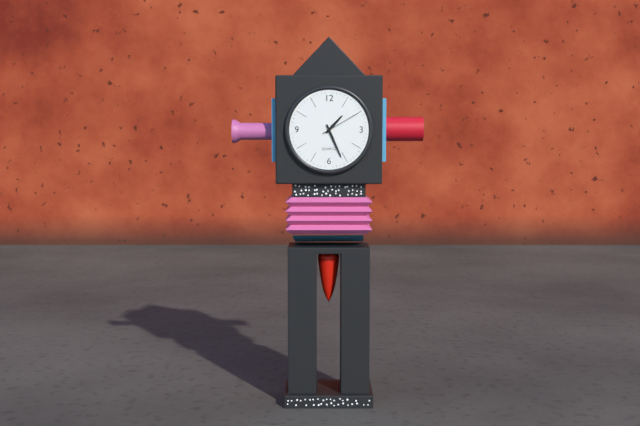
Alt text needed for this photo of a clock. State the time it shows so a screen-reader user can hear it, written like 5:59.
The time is 1:26
